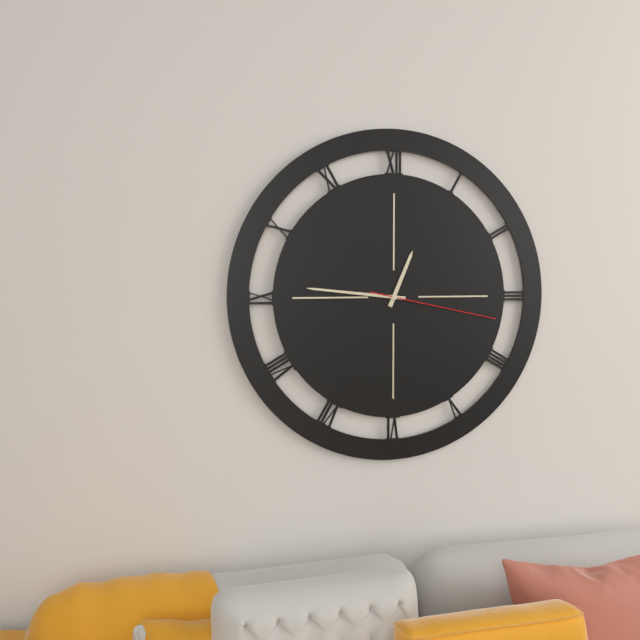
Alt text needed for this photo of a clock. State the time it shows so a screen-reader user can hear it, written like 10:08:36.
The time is 12:46:17
